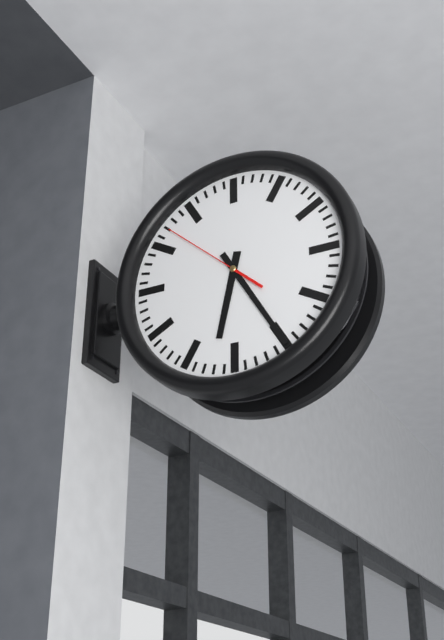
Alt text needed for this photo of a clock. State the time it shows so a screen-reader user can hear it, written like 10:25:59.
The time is 6:25:52
